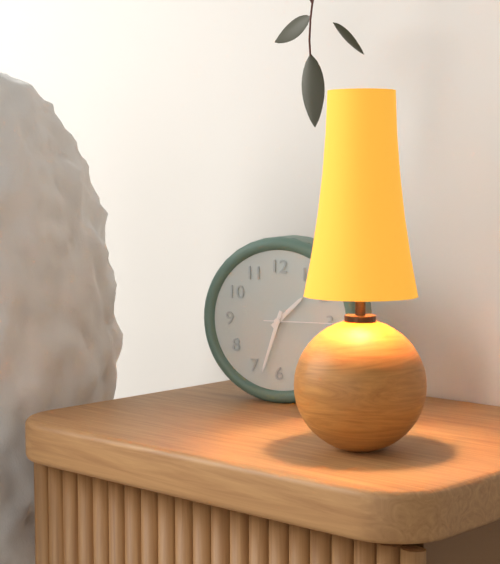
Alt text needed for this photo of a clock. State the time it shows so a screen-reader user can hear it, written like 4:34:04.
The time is 1:33:15
